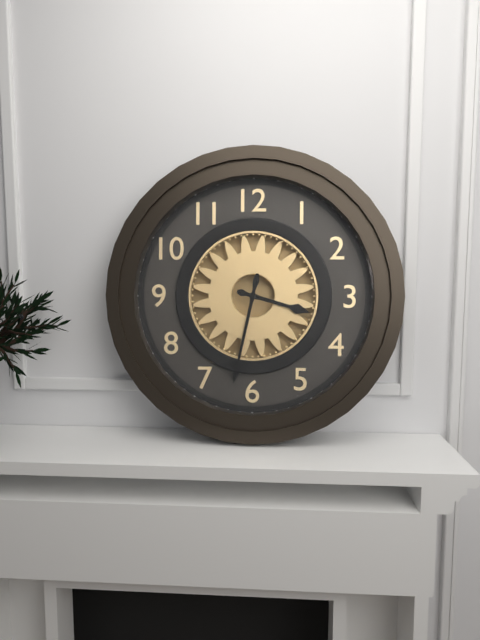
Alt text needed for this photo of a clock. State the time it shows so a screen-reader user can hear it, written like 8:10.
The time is 3:32
